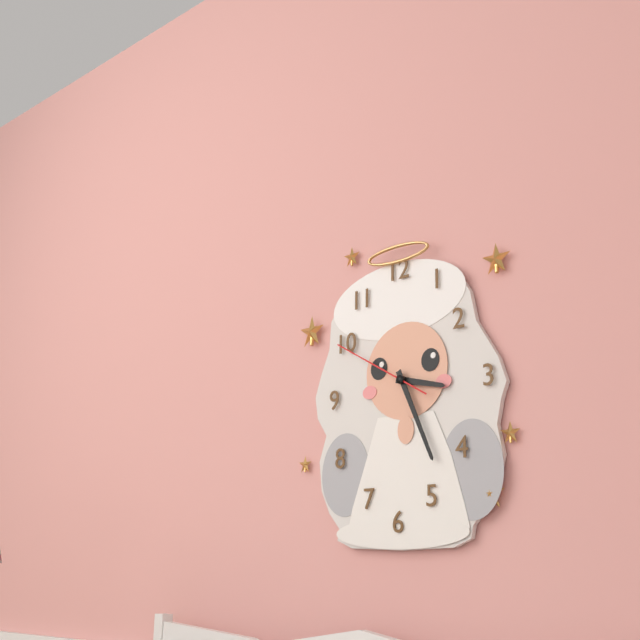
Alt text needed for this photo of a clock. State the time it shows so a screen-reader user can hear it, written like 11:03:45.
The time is 3:26:50
